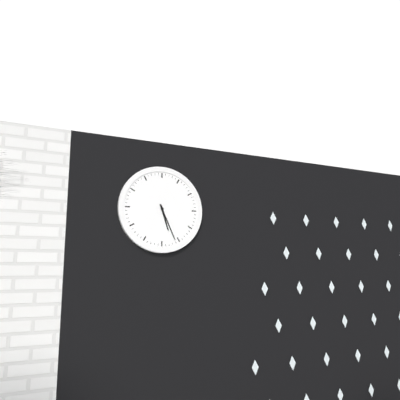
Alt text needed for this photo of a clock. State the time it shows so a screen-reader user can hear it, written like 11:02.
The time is 5:26
